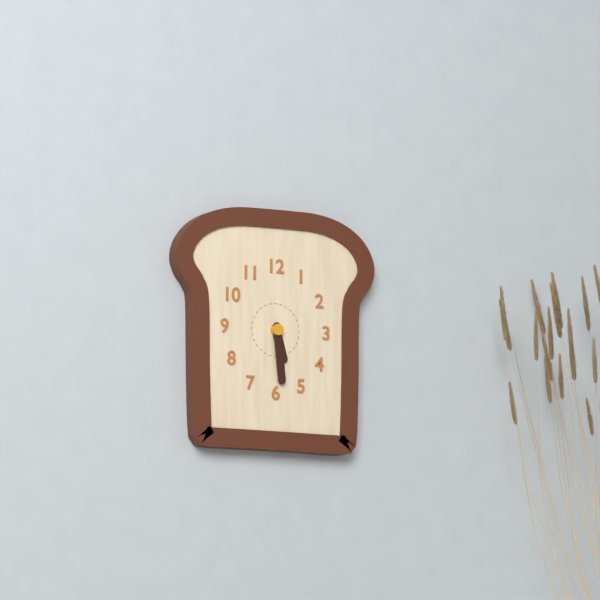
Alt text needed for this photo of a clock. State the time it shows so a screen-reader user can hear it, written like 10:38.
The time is 5:29
